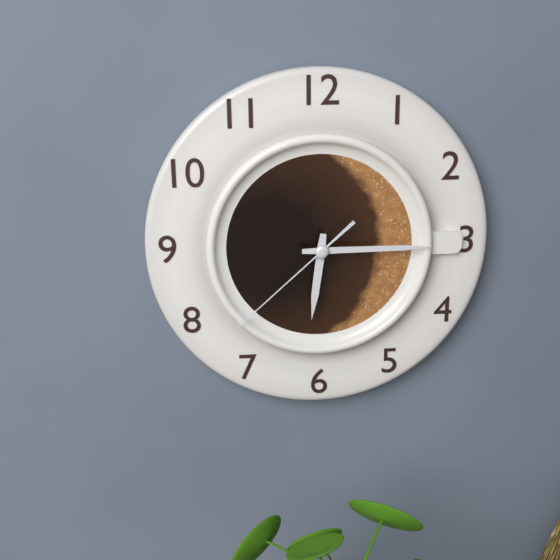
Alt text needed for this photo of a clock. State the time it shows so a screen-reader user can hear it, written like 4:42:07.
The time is 6:15:38
